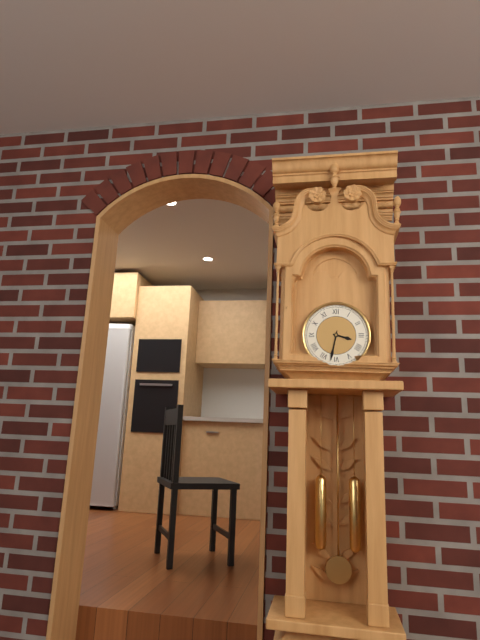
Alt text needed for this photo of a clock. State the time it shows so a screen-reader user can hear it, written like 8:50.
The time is 3:32
